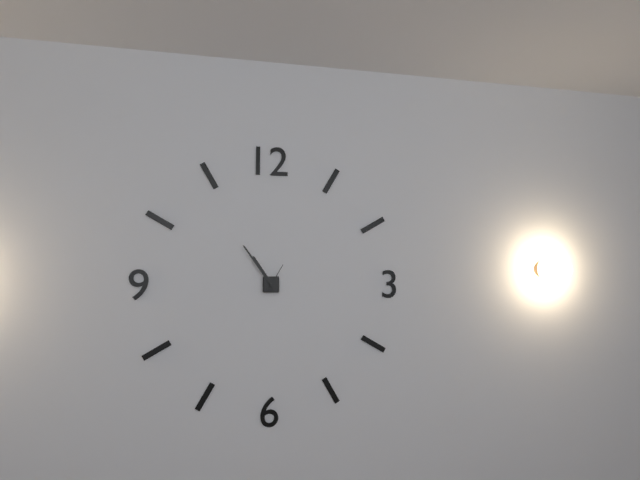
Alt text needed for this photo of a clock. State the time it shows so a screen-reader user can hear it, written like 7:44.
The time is 10:54
